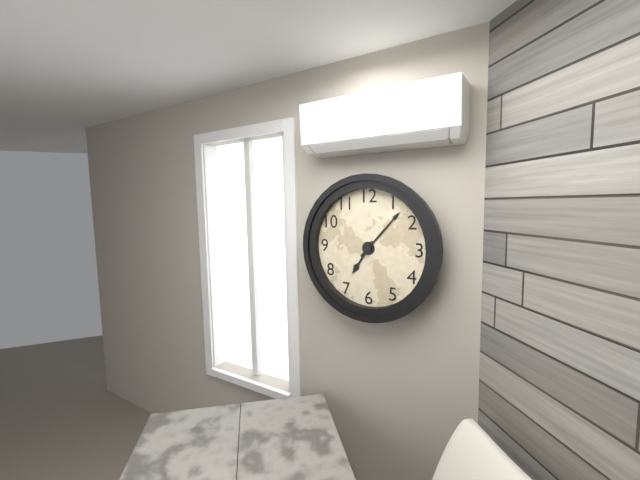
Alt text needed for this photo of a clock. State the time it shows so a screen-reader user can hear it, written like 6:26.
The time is 7:07
